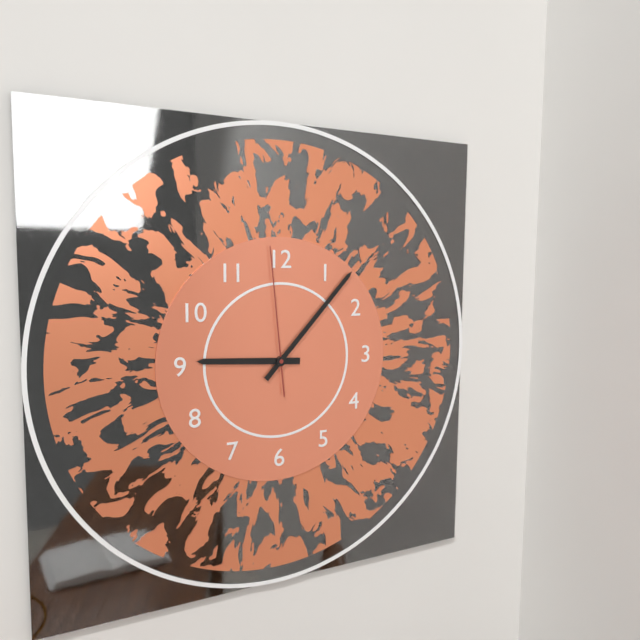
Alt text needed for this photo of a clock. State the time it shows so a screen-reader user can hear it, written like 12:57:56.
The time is 9:07:59
